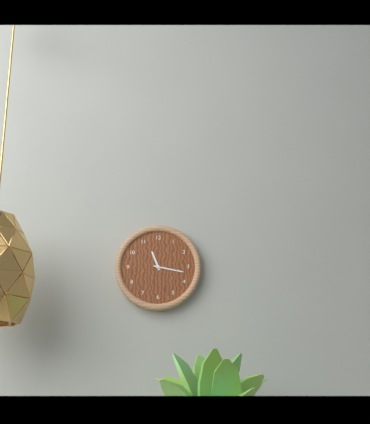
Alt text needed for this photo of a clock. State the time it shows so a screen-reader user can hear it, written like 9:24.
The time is 11:17
